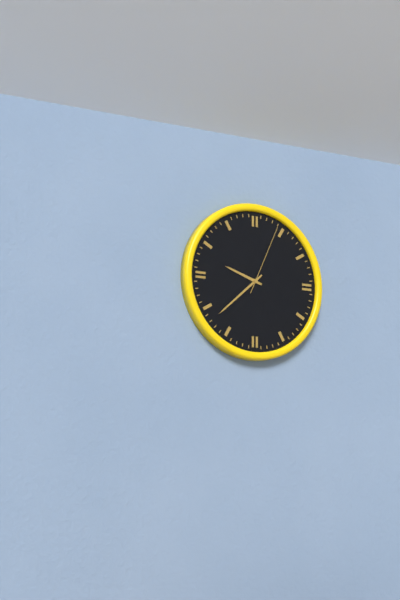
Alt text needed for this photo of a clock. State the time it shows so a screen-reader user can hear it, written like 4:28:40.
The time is 9:38:04
